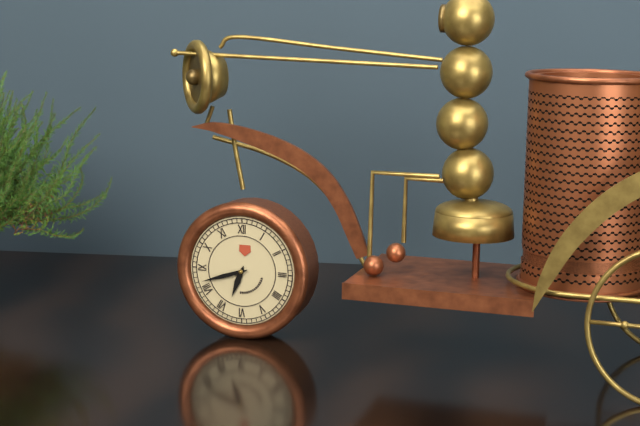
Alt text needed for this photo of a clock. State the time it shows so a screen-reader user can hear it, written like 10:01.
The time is 6:42
